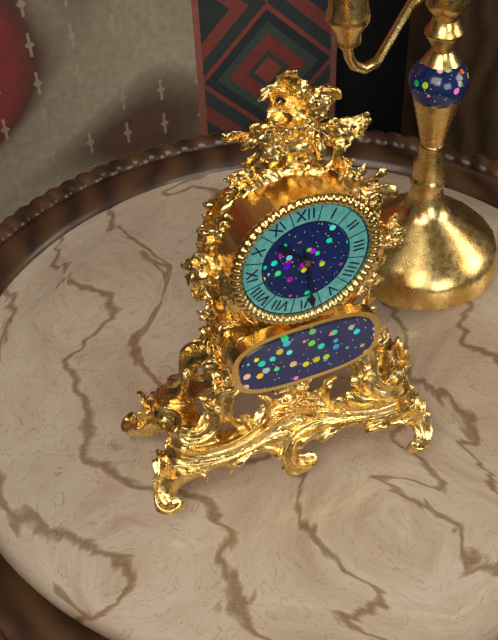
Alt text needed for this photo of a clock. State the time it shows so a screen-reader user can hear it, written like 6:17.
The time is 10:29
